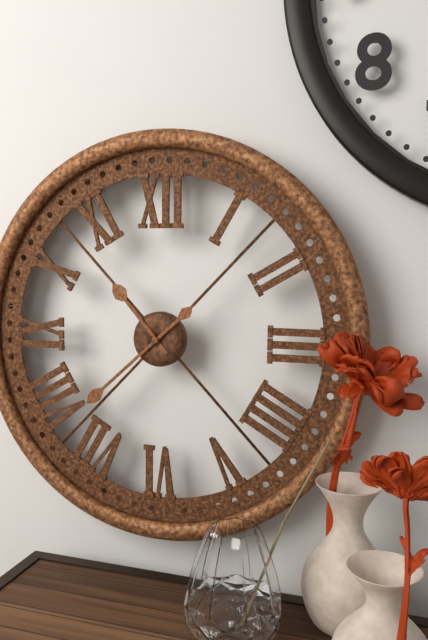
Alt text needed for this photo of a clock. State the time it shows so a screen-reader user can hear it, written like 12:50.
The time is 10:38
